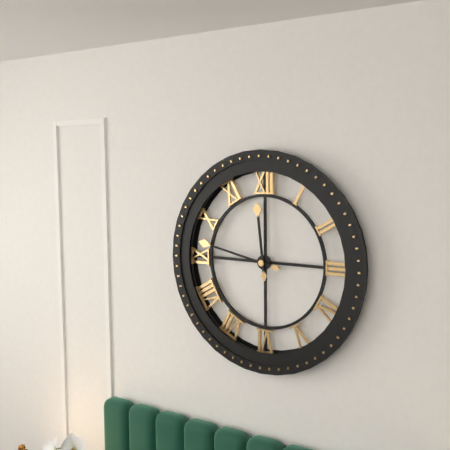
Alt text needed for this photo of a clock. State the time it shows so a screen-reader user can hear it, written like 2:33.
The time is 11:47
